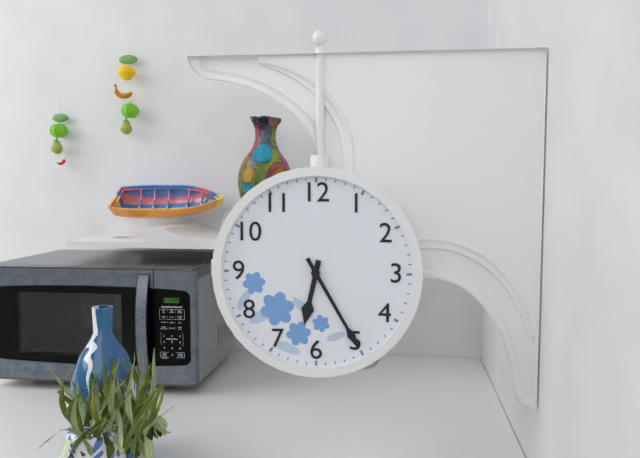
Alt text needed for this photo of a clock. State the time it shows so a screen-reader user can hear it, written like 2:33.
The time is 6:25
